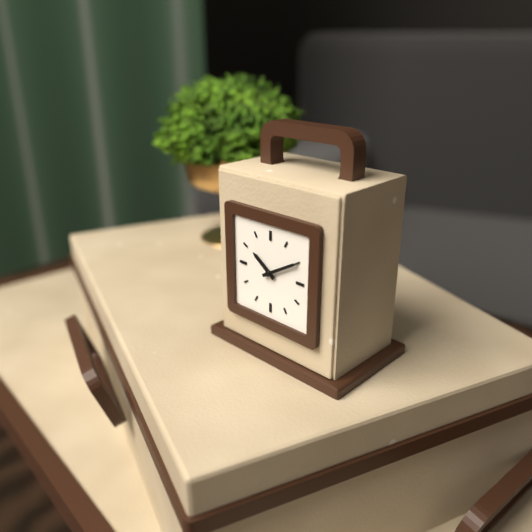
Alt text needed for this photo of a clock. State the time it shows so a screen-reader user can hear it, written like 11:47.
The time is 10:10
